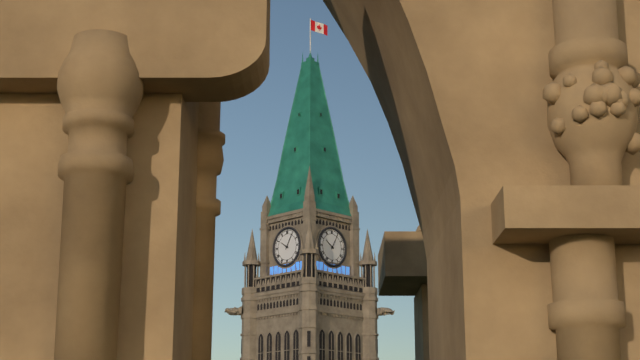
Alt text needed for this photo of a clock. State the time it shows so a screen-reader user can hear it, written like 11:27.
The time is 10:05
